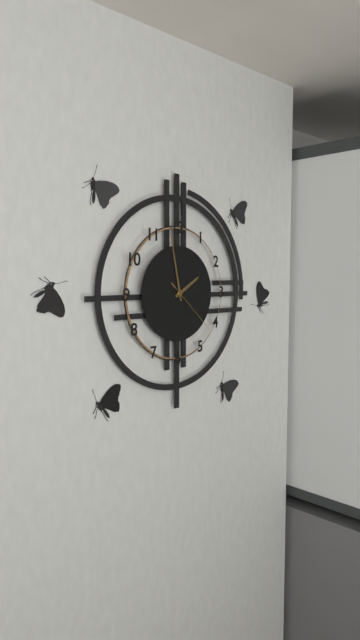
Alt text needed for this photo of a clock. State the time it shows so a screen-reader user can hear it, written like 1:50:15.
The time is 1:58:22
